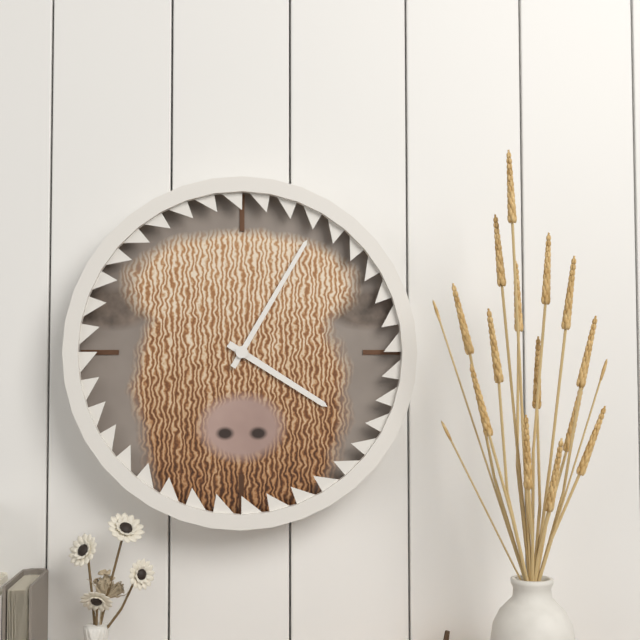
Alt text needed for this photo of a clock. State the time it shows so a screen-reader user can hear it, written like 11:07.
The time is 4:05
